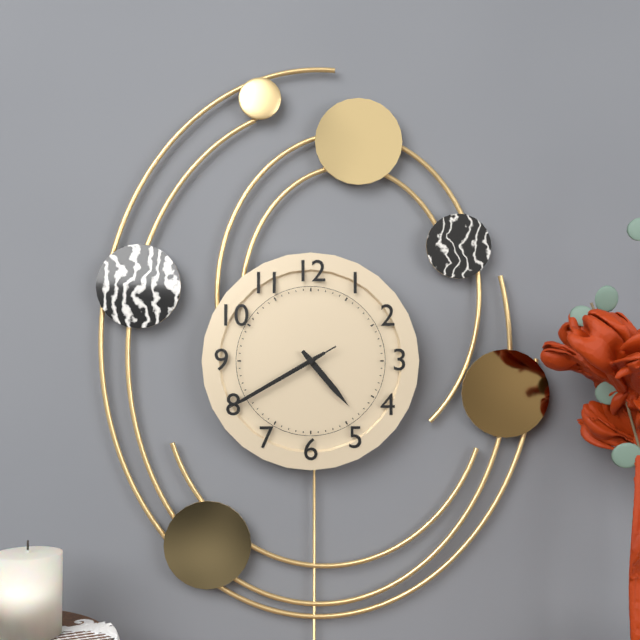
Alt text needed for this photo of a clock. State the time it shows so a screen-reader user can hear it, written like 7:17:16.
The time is 4:40:40
